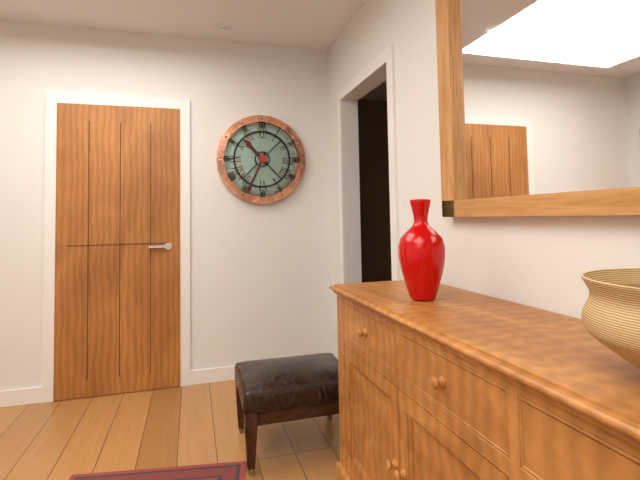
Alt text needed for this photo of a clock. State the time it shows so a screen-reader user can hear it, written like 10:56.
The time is 10:34
